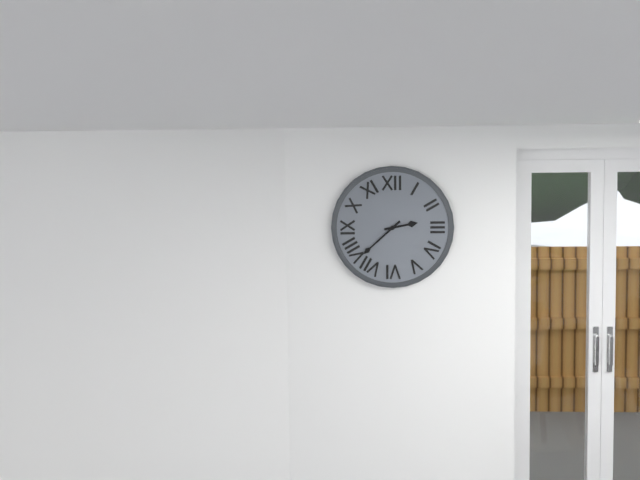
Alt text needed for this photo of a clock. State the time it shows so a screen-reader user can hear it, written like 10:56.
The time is 2:38
